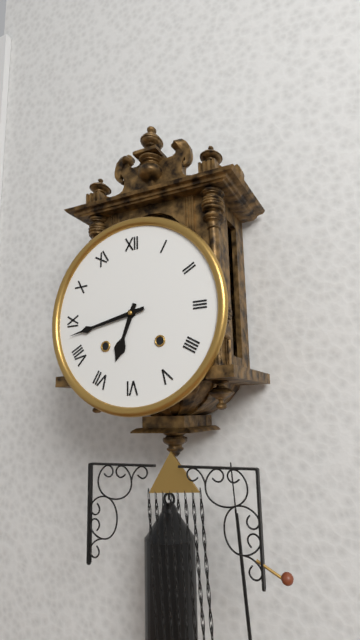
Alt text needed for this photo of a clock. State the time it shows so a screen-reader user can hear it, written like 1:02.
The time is 6:43
